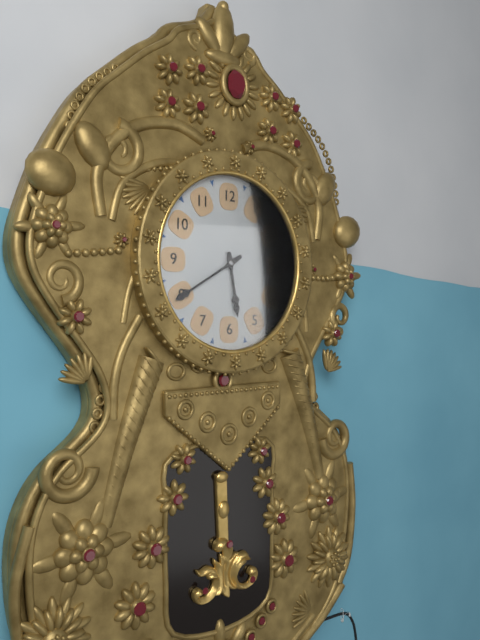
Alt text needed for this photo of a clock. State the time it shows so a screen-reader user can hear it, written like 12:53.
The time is 5:40
